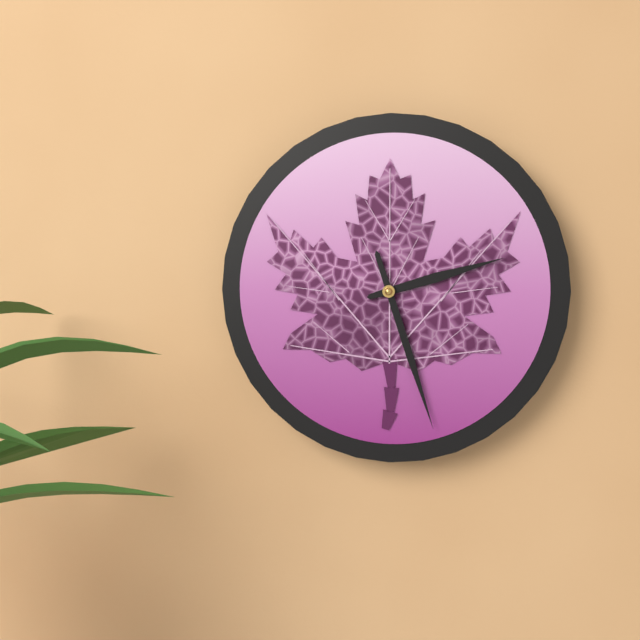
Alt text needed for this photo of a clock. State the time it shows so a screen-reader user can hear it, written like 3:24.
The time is 2:27
